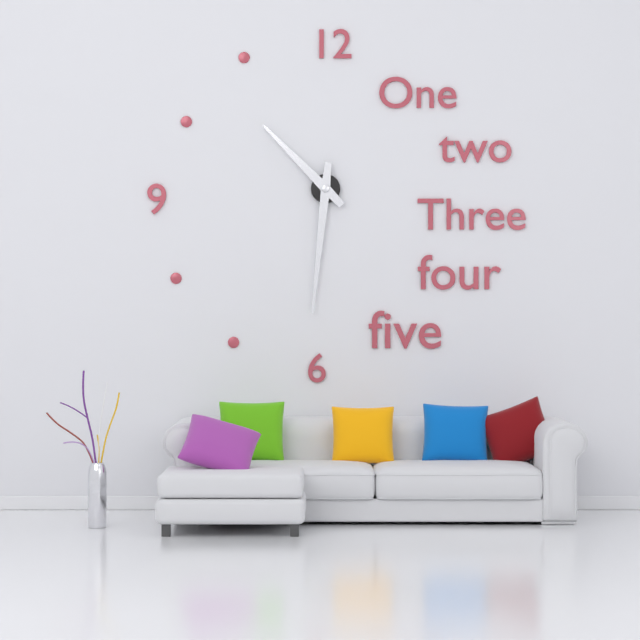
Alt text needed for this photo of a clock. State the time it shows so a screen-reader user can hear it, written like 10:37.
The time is 10:31
